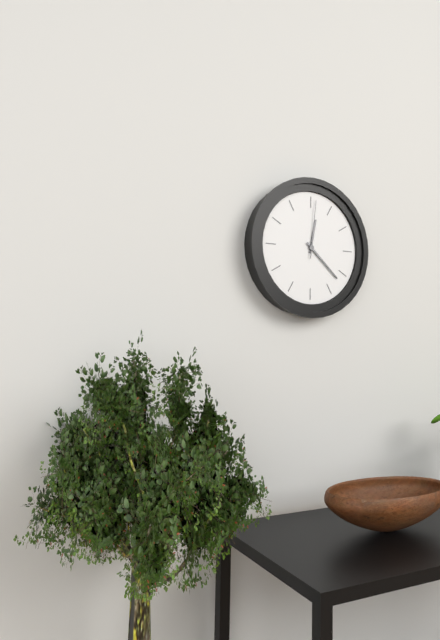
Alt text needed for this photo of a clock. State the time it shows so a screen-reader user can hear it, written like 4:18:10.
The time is 12:22:01
